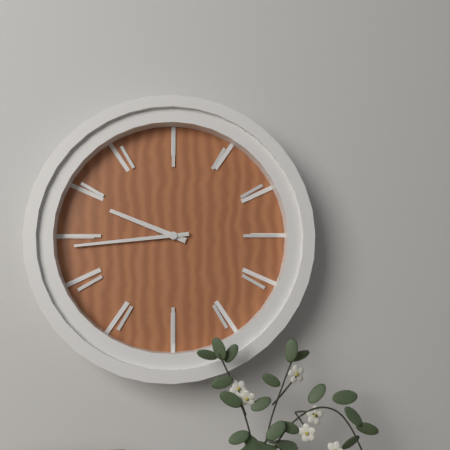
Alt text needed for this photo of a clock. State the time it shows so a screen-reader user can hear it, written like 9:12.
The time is 9:44
